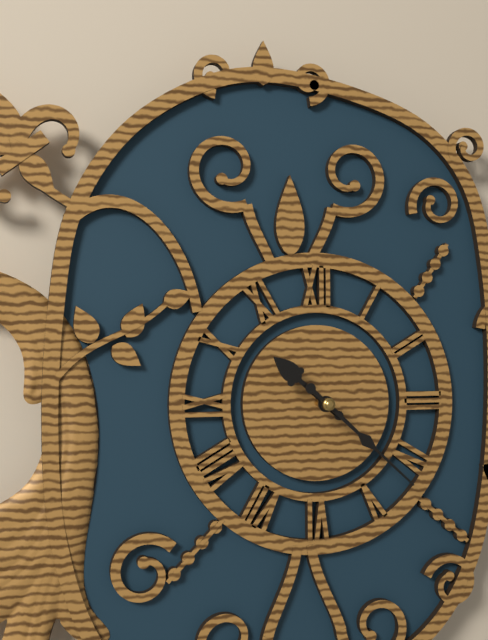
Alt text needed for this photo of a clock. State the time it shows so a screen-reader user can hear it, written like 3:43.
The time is 10:22
